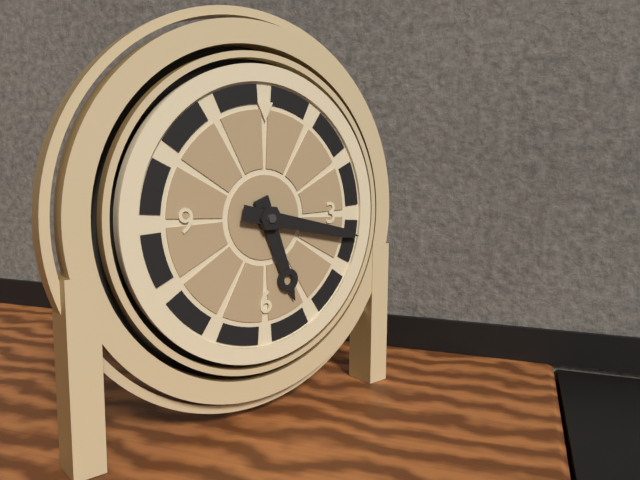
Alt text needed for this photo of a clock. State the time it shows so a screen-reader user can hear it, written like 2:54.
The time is 5:17
